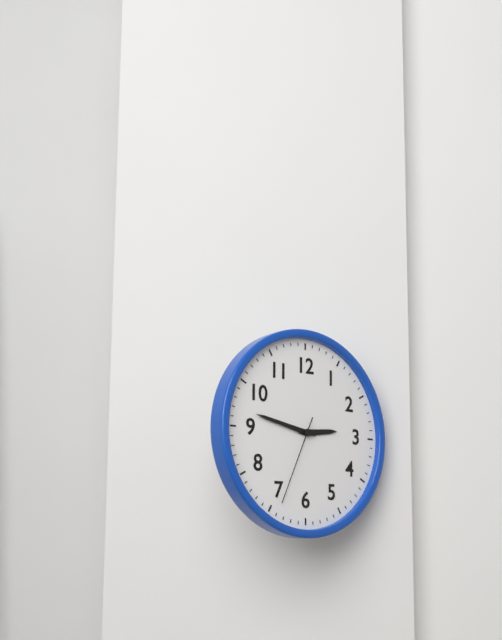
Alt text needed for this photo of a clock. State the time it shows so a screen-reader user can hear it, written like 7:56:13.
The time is 2:47:34
